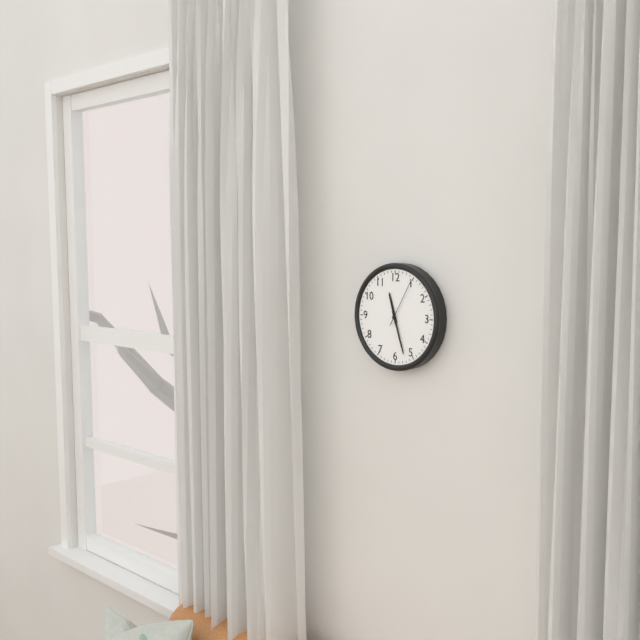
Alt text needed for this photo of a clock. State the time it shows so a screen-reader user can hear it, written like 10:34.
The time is 11:27
